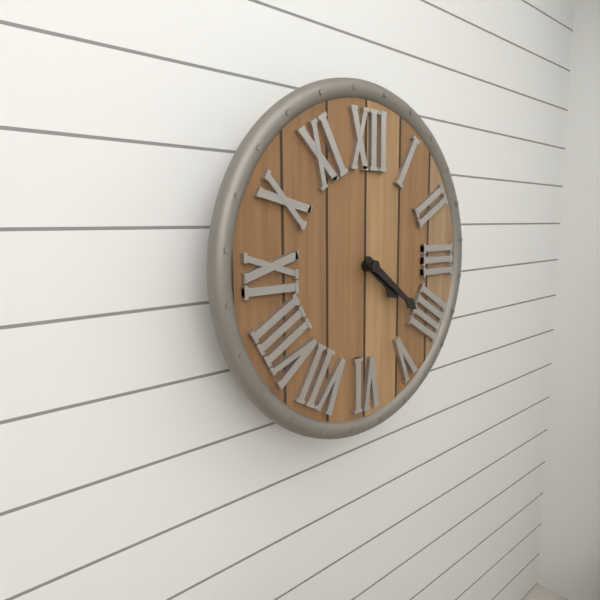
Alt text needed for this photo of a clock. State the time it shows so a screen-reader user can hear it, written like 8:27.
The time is 4:21
